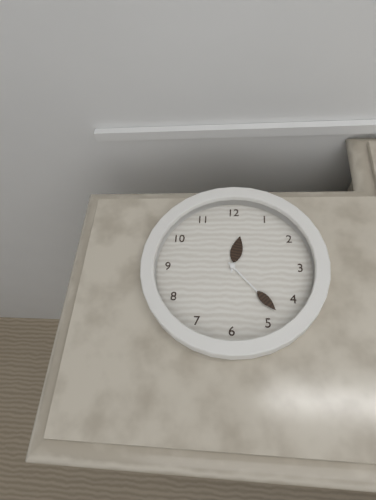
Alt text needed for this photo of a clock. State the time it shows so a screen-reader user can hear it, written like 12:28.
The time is 12:23
